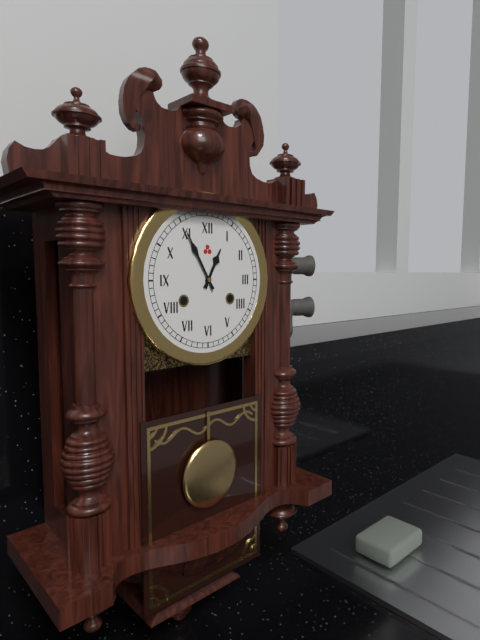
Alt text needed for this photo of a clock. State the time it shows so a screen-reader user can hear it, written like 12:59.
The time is 12:55
